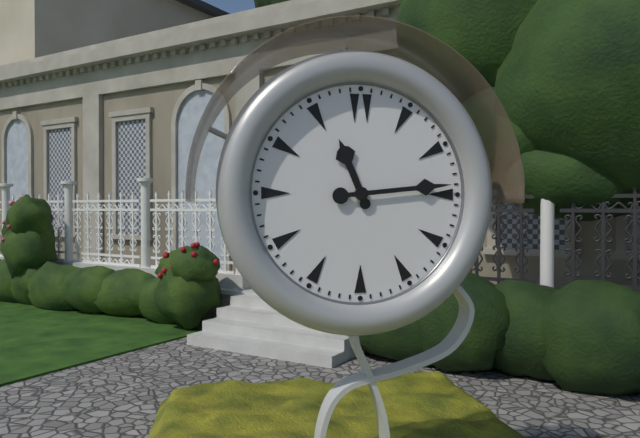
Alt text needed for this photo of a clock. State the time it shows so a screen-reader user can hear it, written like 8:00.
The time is 11:14
